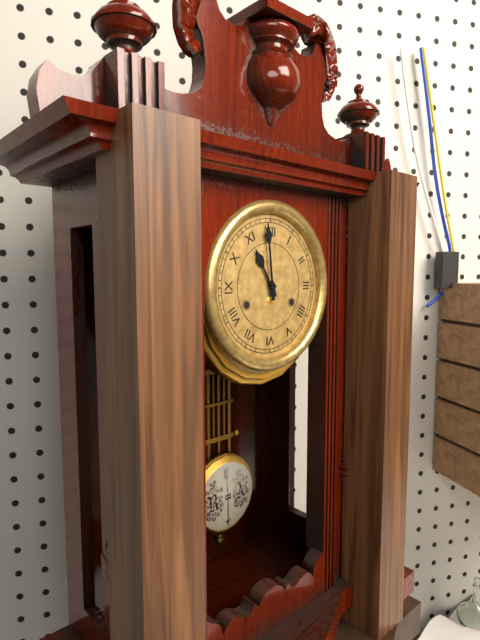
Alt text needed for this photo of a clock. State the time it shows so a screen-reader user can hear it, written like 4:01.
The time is 10:59
